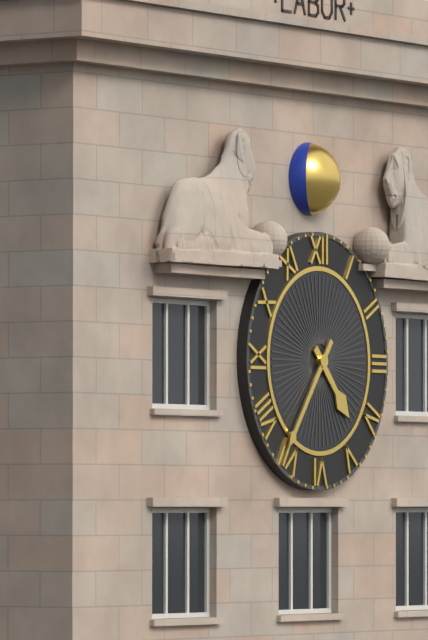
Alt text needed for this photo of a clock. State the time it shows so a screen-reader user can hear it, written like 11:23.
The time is 4:36
